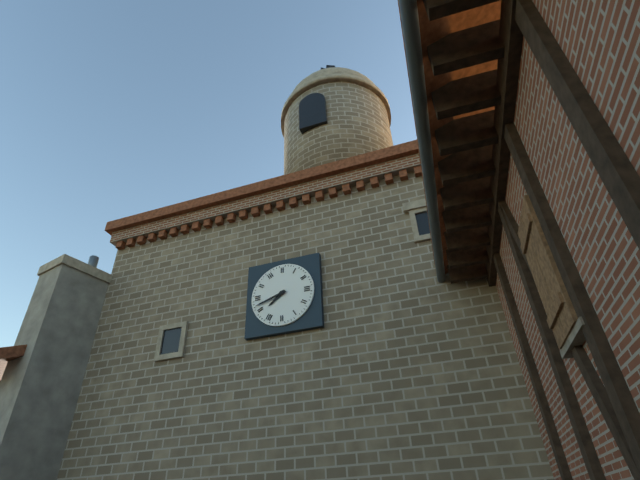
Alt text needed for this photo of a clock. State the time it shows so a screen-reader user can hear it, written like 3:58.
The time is 7:42
